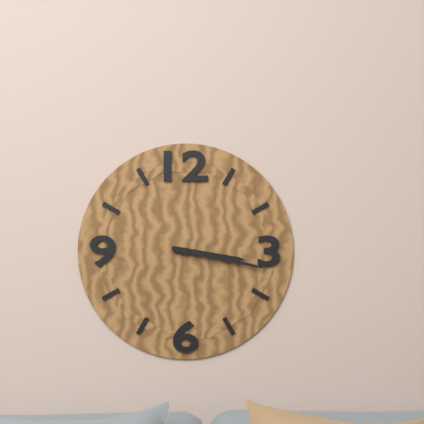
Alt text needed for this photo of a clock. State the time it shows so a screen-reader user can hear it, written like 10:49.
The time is 3:17
